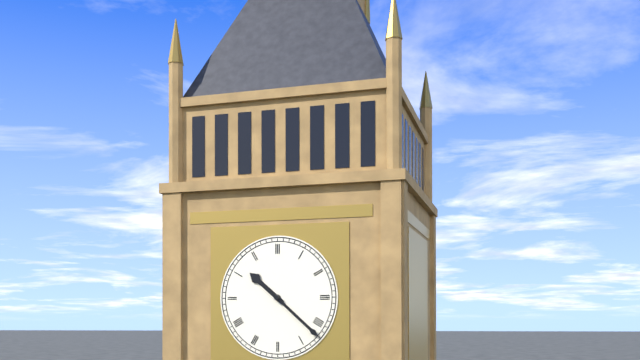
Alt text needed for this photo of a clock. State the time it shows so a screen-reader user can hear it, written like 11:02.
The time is 10:22
